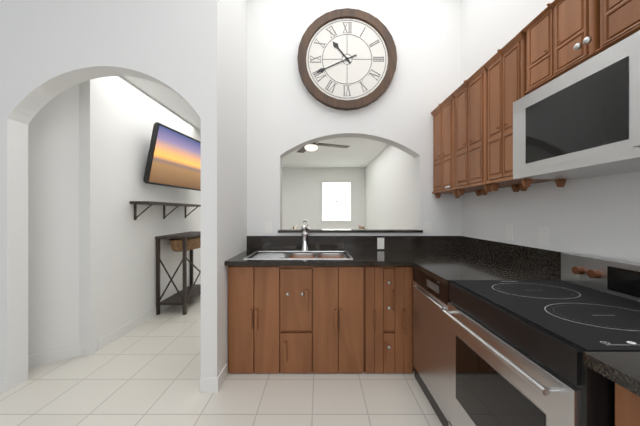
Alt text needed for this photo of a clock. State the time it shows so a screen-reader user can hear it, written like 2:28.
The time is 10:41
